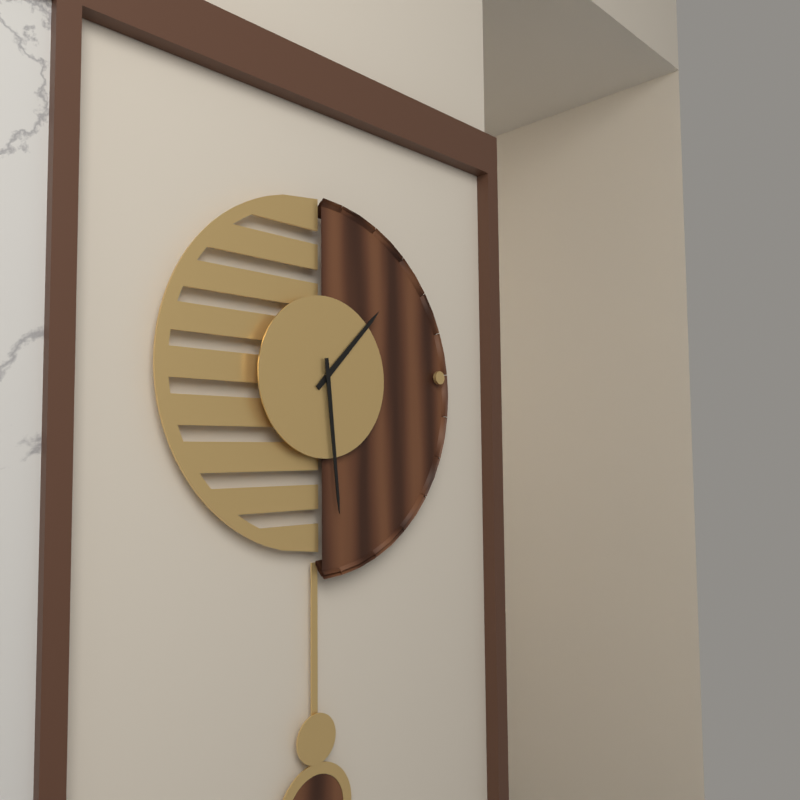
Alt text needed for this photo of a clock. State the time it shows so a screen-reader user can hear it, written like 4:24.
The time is 1:29
